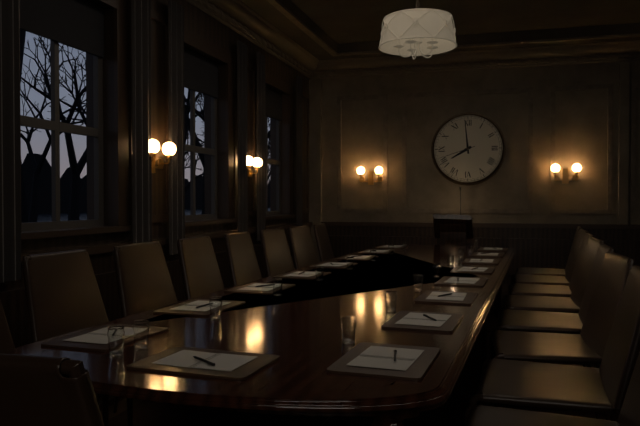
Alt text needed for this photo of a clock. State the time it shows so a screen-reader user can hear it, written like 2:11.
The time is 7:59
